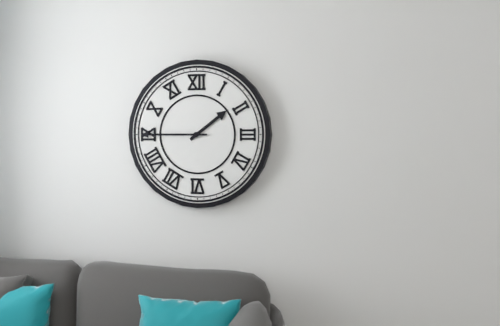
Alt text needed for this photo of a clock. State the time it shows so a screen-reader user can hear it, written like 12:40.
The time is 1:45
